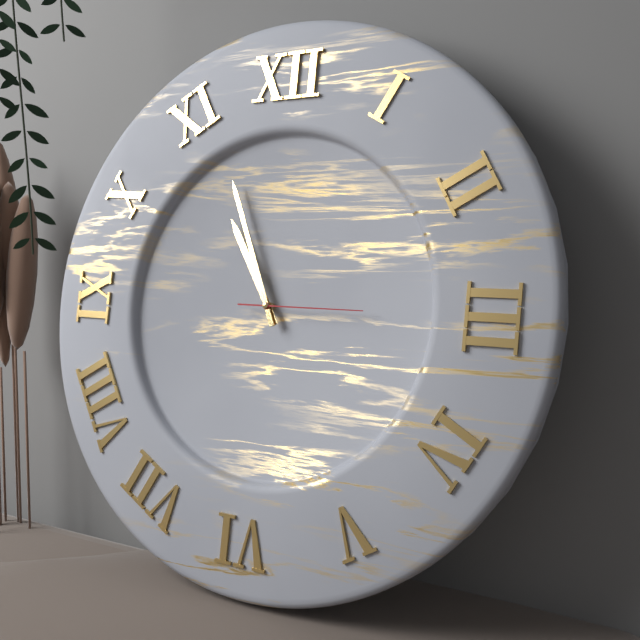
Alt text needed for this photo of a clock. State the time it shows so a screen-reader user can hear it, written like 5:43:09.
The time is 10:56:15
